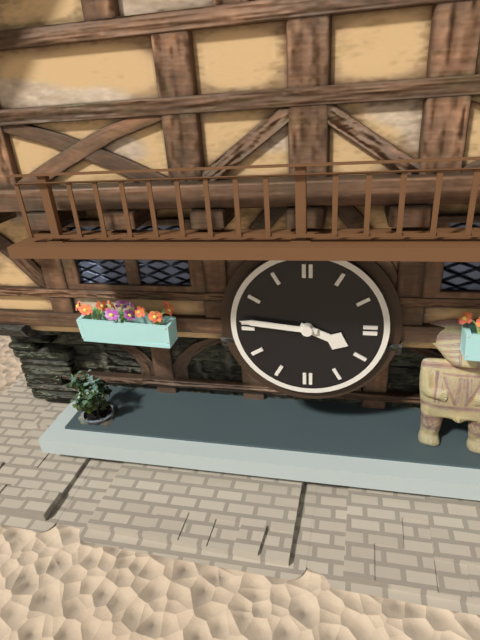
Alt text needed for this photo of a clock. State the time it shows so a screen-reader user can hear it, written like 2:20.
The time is 3:46
